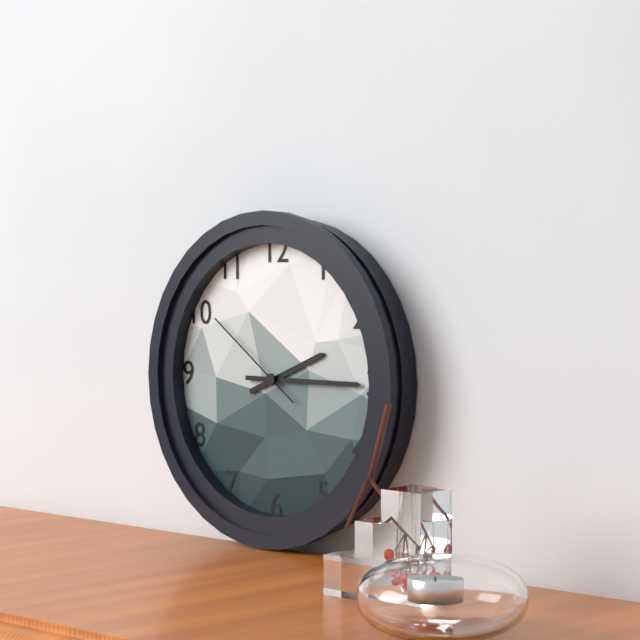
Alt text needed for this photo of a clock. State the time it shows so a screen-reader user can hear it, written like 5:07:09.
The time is 2:15:51
